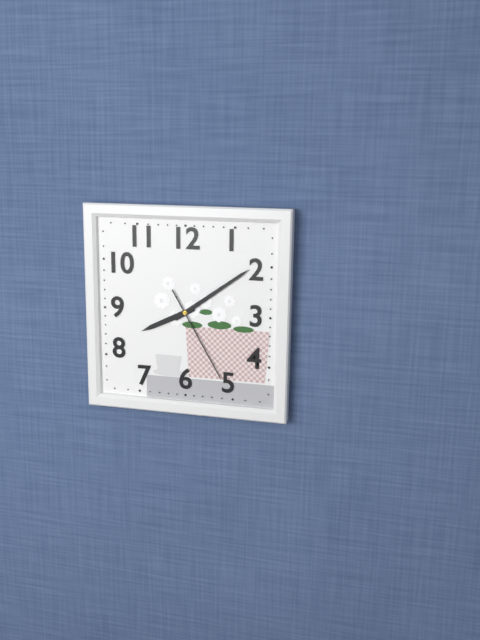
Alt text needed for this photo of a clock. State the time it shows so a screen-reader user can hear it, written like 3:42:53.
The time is 8:09:25
